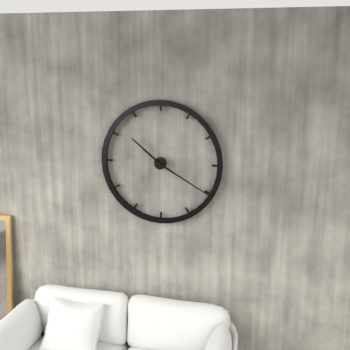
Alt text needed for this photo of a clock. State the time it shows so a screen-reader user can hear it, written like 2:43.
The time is 10:20
